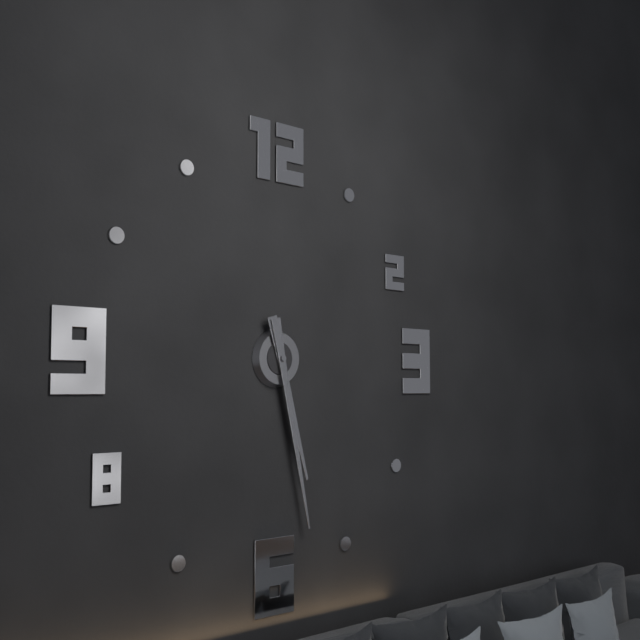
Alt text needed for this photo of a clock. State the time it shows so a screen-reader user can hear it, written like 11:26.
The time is 5:28
